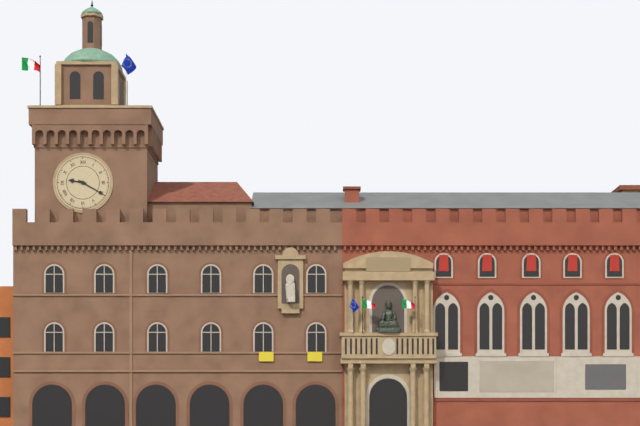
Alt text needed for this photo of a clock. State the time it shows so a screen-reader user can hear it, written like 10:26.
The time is 9:20
